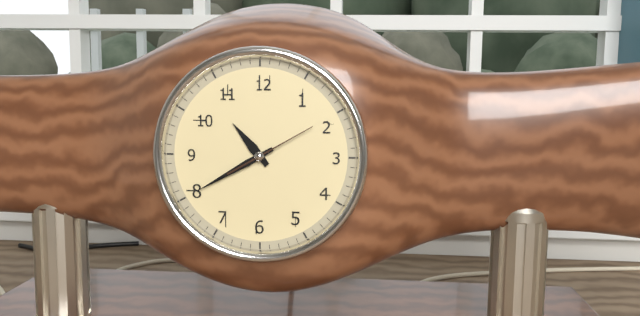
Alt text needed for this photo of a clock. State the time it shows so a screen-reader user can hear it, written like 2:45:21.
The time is 10:40:10
